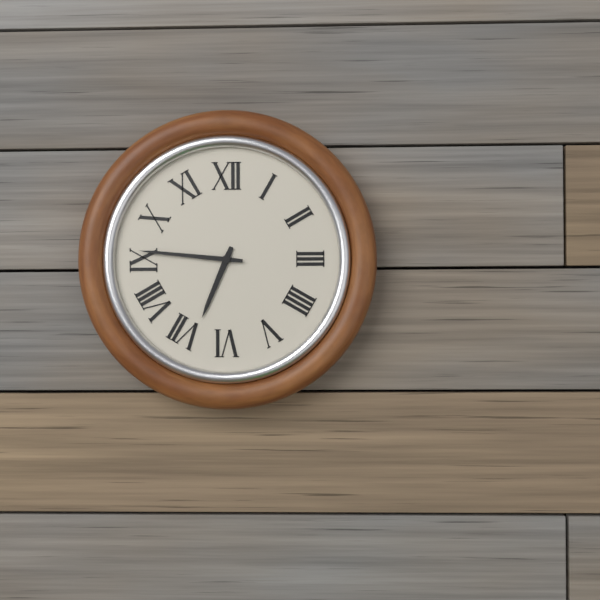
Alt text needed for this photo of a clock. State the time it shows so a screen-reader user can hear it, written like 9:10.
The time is 6:46
